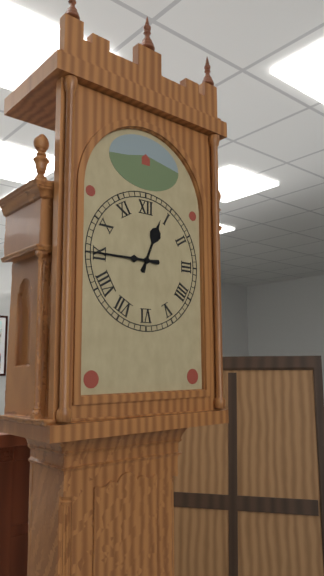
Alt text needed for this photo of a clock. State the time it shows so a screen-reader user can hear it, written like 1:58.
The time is 12:45
